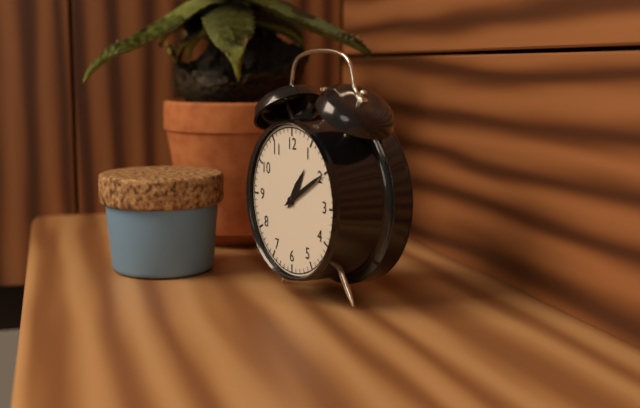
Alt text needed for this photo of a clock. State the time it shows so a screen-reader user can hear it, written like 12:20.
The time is 1:10
